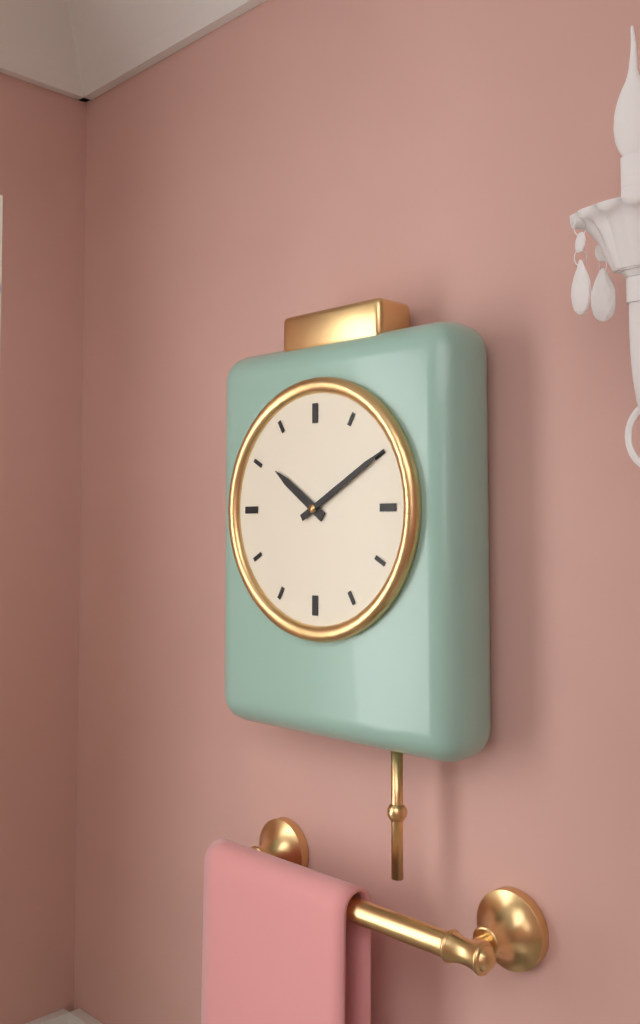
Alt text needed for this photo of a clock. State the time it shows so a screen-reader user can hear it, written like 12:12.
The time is 10:10
